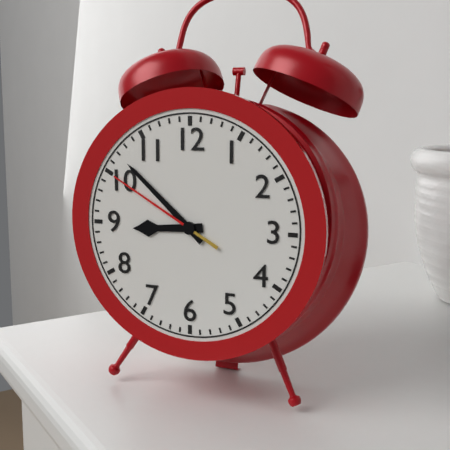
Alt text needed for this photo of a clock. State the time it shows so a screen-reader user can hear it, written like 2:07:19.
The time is 8:52:50
